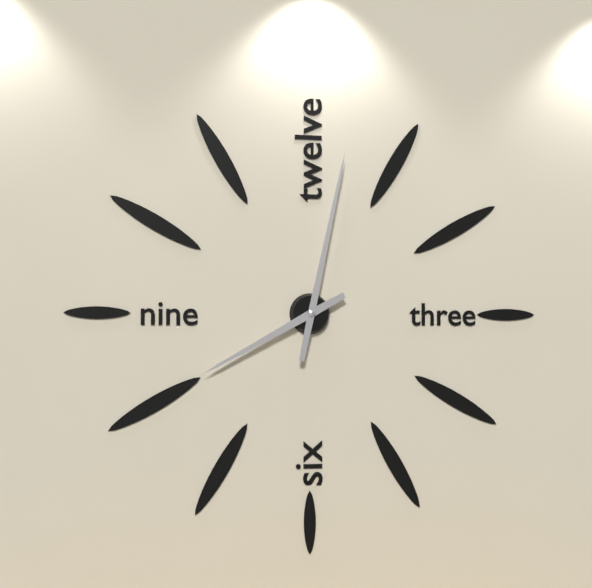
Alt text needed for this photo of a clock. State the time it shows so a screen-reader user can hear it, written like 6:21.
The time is 8:02
